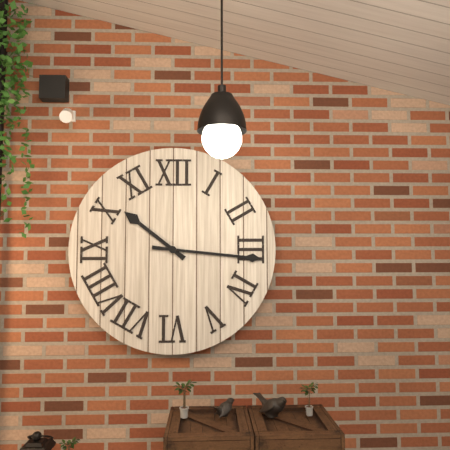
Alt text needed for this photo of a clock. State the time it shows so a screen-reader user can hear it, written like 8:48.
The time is 10:16
